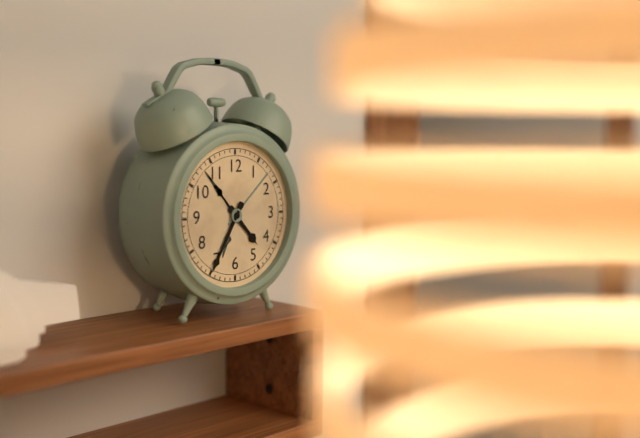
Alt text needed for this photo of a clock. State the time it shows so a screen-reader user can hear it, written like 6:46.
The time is 4:35
